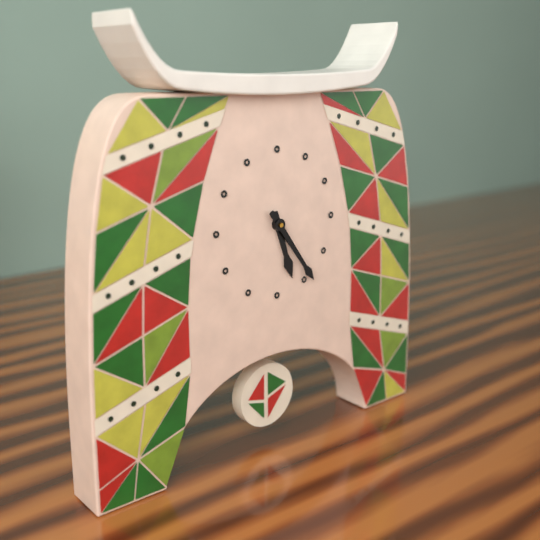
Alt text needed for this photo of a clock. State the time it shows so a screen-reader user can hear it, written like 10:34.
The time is 5:24
